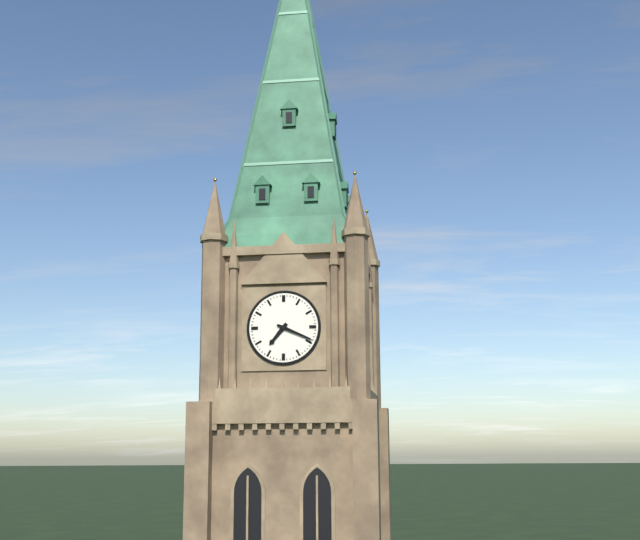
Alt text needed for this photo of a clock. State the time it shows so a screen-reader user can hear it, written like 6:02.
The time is 7:19
